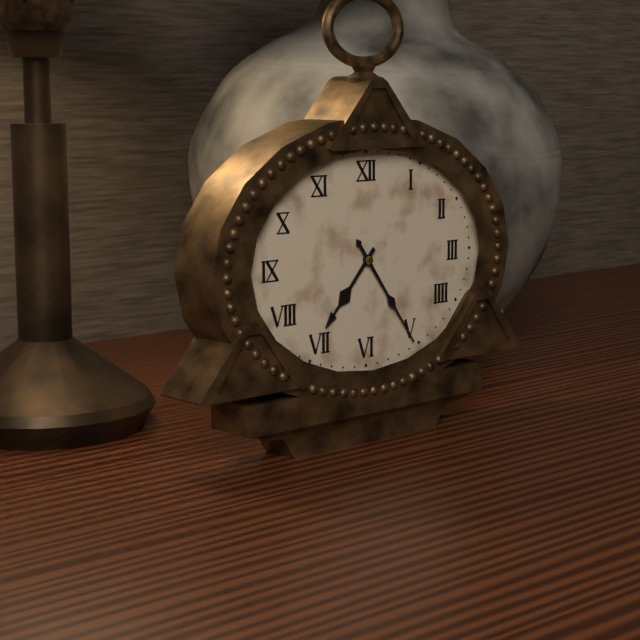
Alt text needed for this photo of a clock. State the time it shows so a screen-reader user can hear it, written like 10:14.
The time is 7:24
